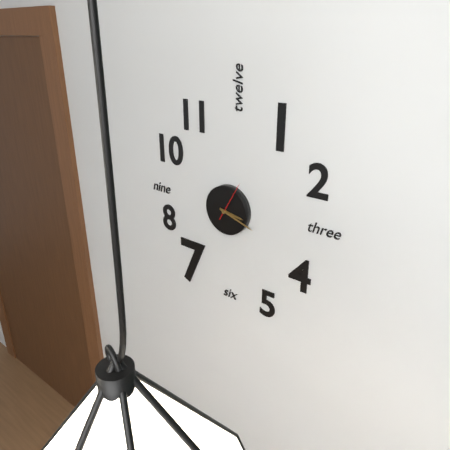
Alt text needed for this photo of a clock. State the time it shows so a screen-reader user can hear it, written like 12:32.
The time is 3:18
